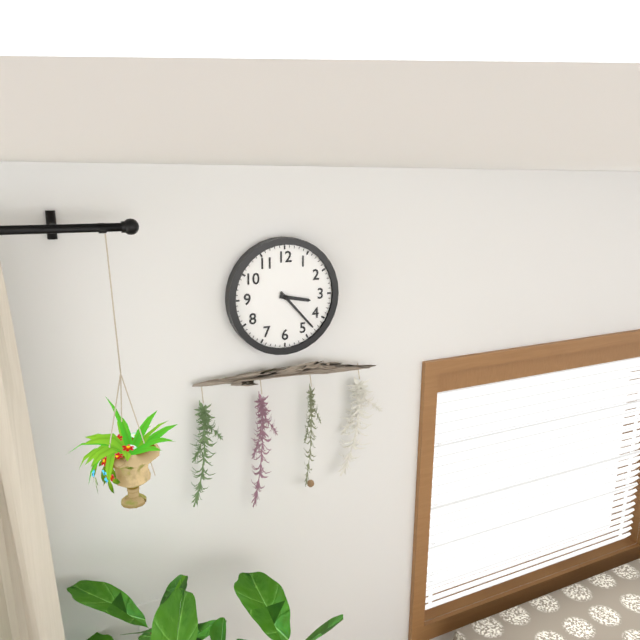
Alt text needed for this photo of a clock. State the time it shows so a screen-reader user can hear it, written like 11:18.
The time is 3:23
